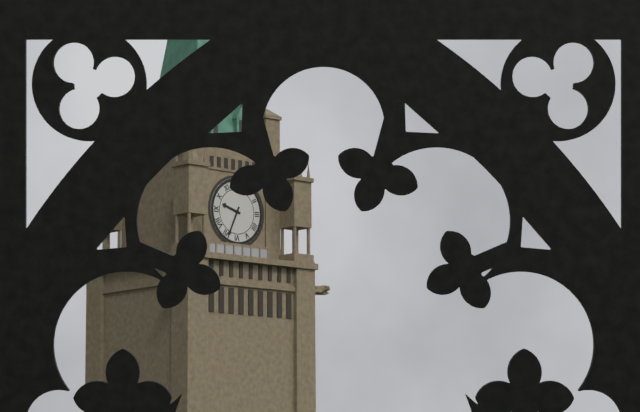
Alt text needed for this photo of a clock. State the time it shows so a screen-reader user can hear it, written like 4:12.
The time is 9:34
